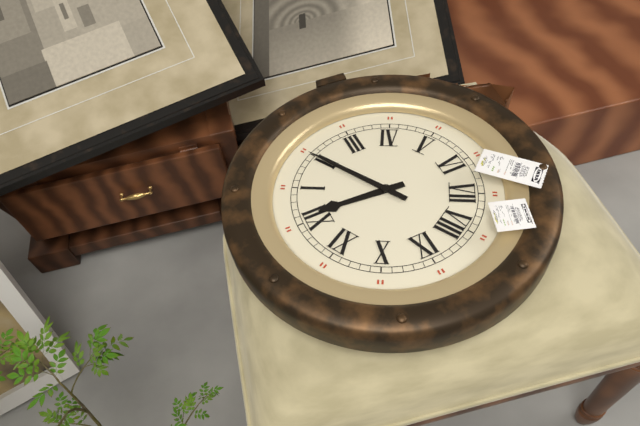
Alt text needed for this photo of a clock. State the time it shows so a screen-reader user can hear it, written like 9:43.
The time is 12:10
